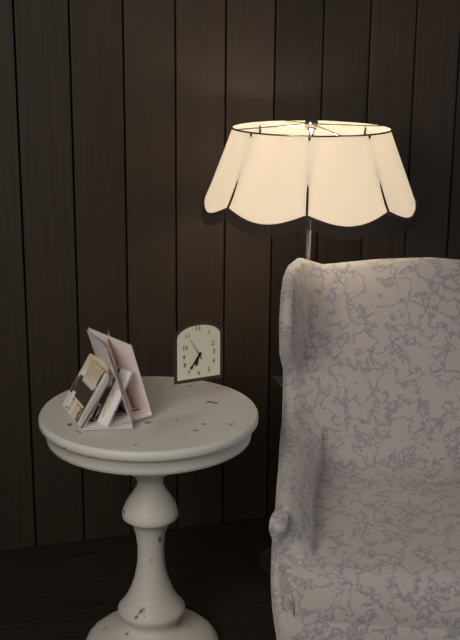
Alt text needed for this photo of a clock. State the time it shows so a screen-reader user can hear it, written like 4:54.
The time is 6:36
